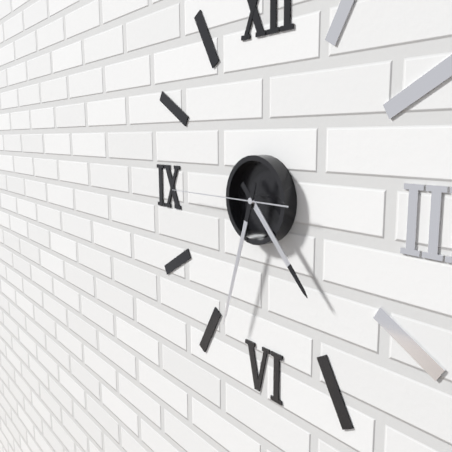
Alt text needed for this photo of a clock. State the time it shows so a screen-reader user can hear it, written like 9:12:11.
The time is 4:33:45
